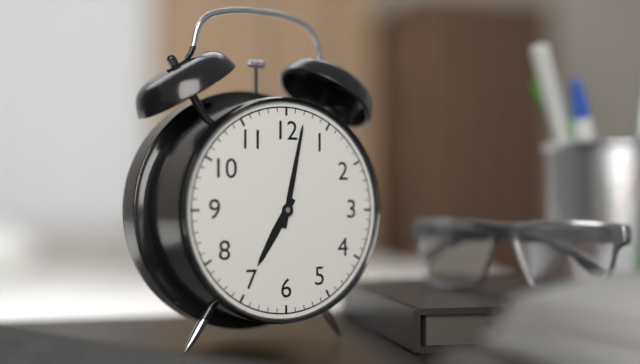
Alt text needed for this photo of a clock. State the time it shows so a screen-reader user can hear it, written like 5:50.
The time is 7:02
